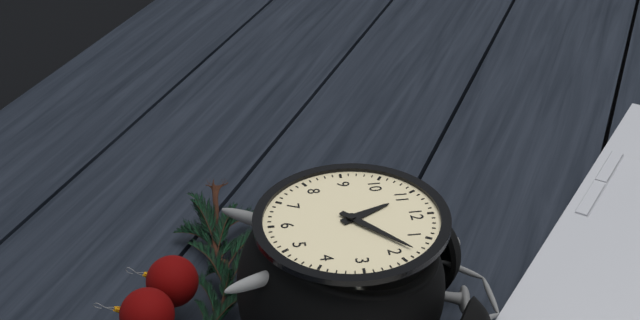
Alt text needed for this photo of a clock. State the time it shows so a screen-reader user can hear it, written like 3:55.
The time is 11:08
